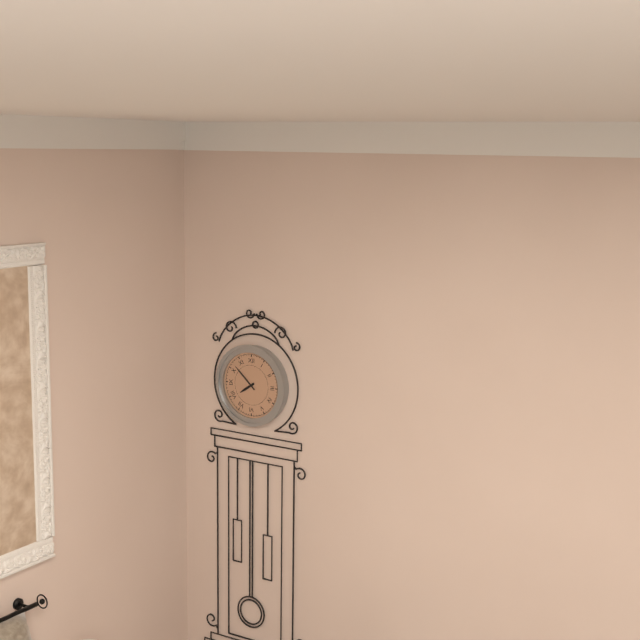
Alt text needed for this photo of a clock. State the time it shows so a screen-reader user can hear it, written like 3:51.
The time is 7:52
